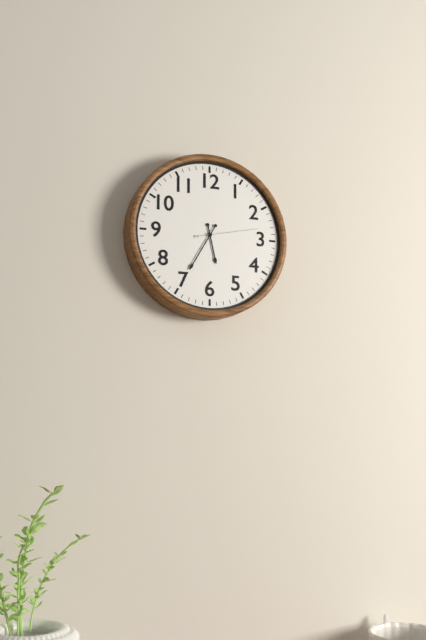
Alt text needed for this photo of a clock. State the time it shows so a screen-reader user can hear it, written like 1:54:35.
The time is 5:35:13
